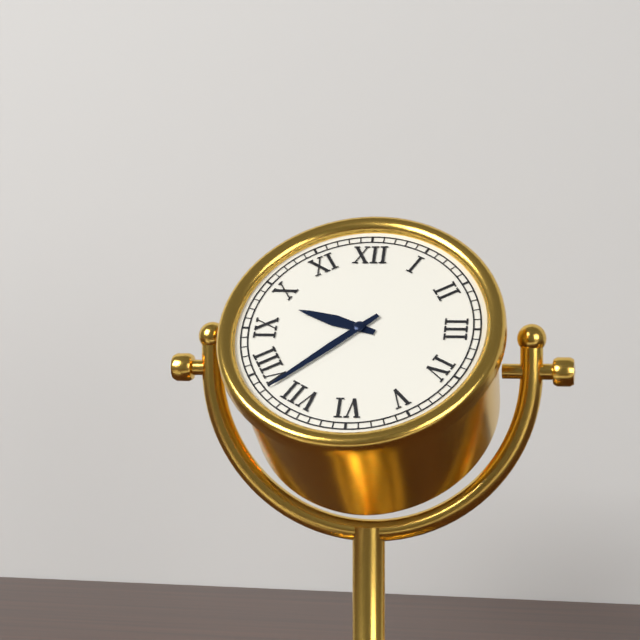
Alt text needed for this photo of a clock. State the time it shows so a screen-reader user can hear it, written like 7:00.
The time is 9:38
